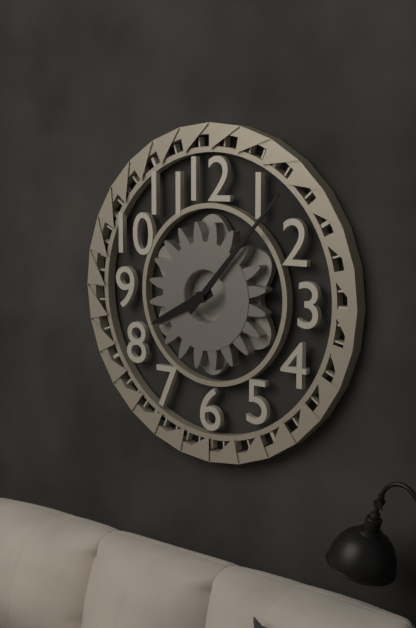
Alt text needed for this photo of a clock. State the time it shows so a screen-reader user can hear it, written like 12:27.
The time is 8:07
